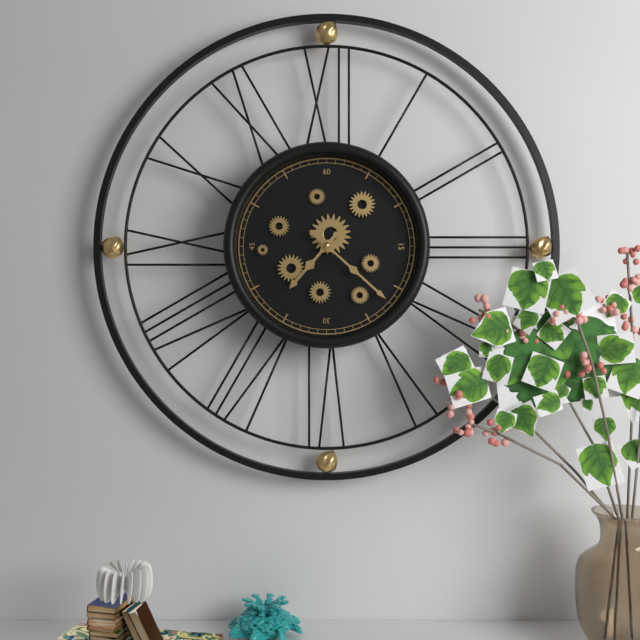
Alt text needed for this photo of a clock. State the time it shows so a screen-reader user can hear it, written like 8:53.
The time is 7:22
